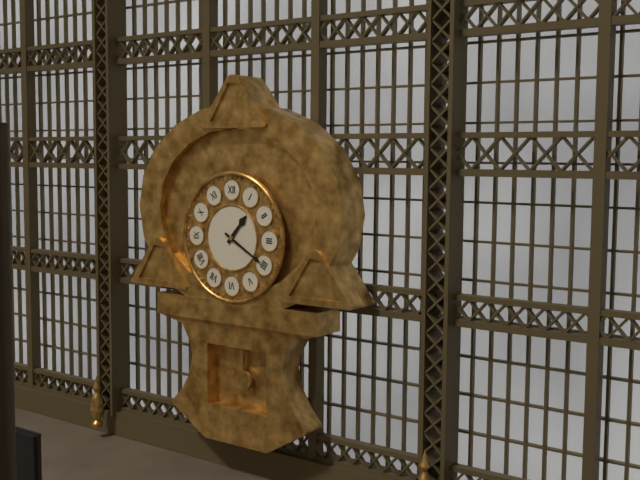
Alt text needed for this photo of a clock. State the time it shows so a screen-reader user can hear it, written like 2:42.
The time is 1:20
